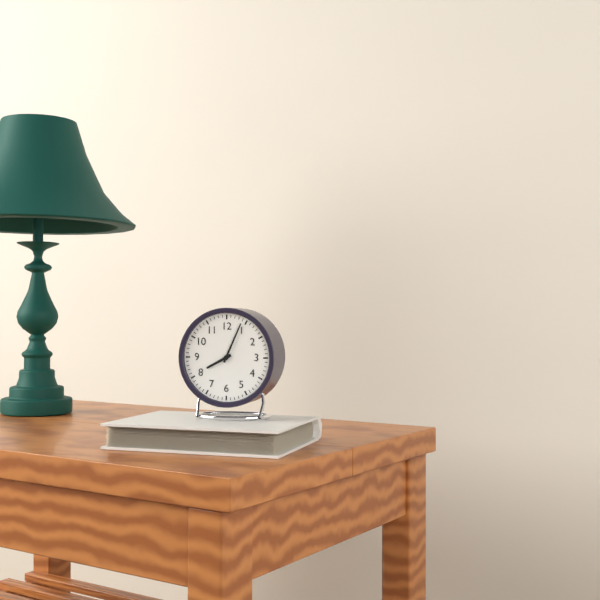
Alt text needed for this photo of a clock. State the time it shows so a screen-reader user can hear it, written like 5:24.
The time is 8:04
